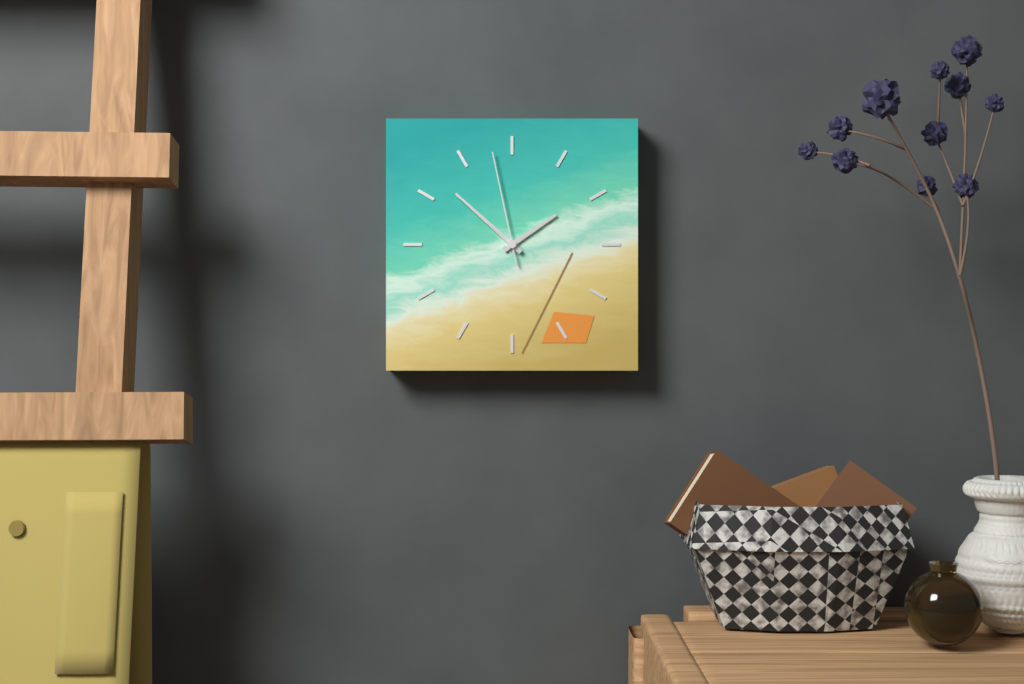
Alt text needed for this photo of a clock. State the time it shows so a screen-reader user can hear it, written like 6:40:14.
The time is 1:52:58
